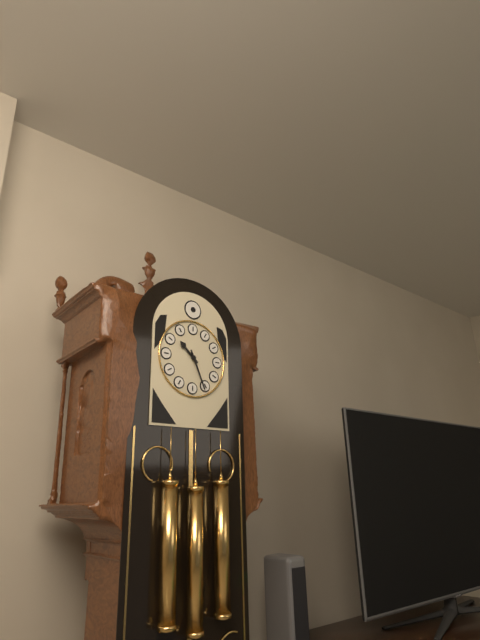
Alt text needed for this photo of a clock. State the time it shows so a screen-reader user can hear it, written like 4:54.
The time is 10:26
